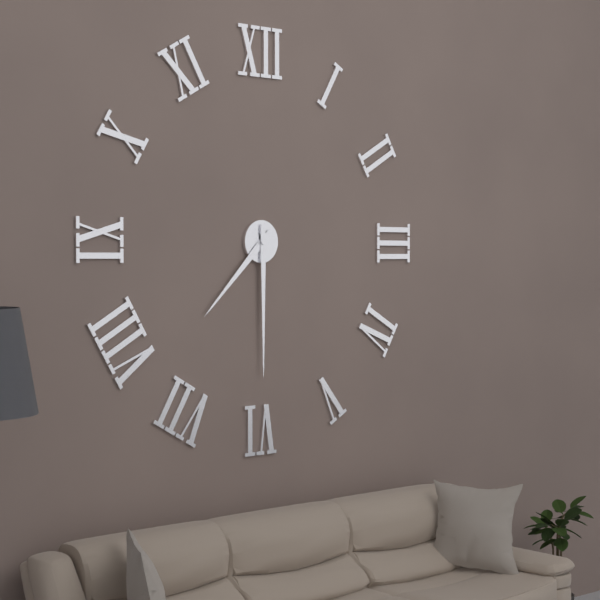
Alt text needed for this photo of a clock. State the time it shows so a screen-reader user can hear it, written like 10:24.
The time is 7:30
